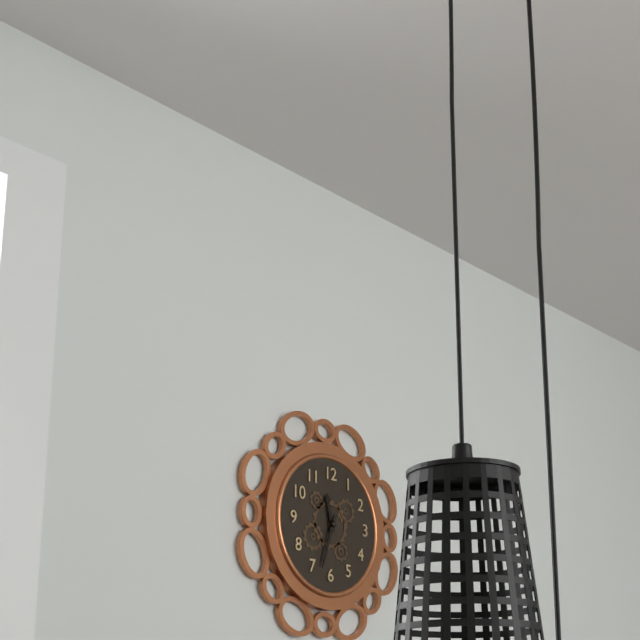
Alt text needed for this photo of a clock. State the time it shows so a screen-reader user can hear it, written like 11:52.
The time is 11:33
